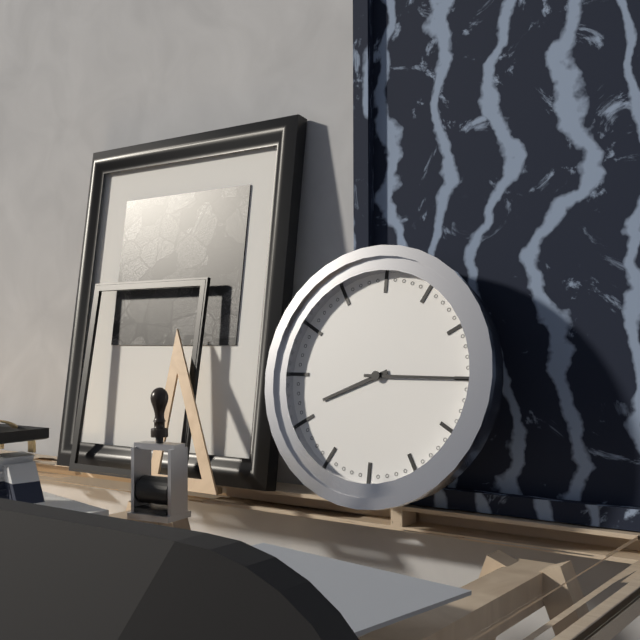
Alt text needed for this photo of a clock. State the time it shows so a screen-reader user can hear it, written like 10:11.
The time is 8:15
